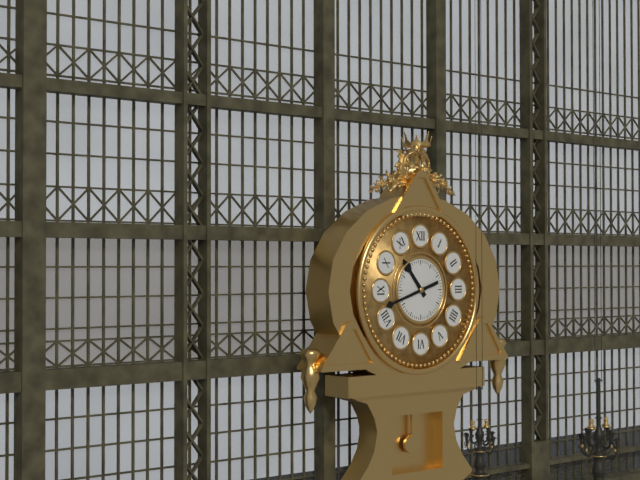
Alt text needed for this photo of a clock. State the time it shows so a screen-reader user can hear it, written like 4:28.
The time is 10:42
